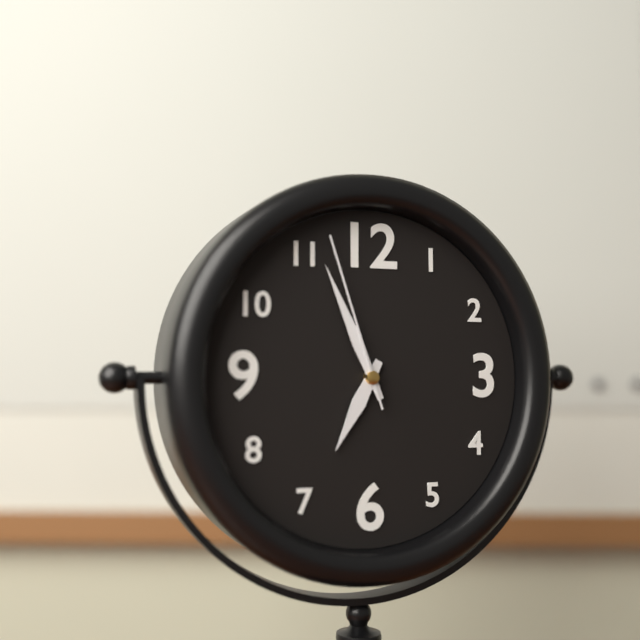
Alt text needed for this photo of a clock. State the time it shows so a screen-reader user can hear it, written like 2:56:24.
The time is 6:56:57
